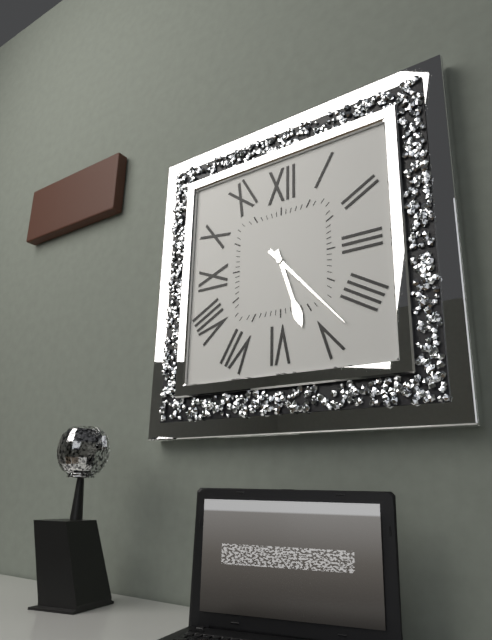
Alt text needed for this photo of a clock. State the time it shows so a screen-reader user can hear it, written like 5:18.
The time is 5:23
